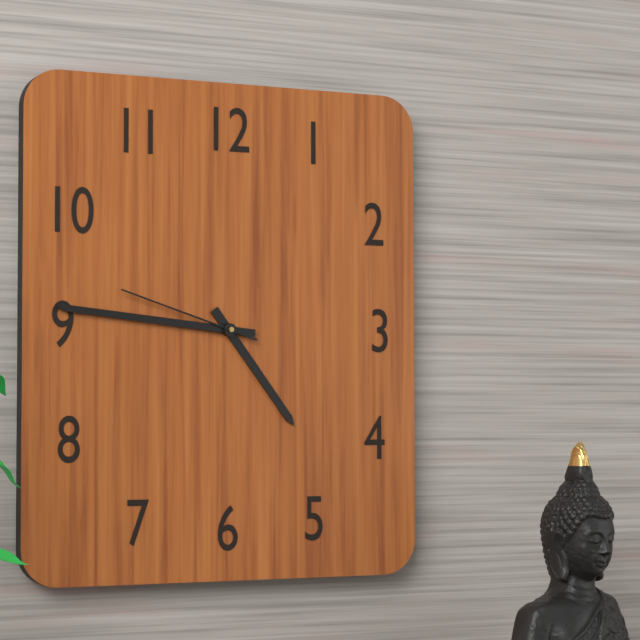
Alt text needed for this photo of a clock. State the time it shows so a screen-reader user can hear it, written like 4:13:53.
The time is 4:46:48
